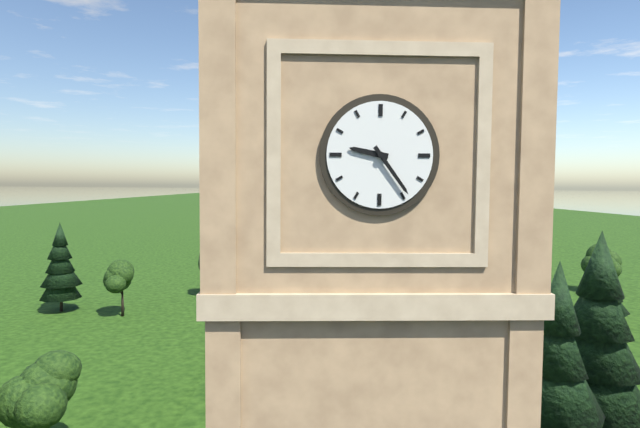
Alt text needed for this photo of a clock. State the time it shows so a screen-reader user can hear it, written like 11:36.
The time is 9:24
